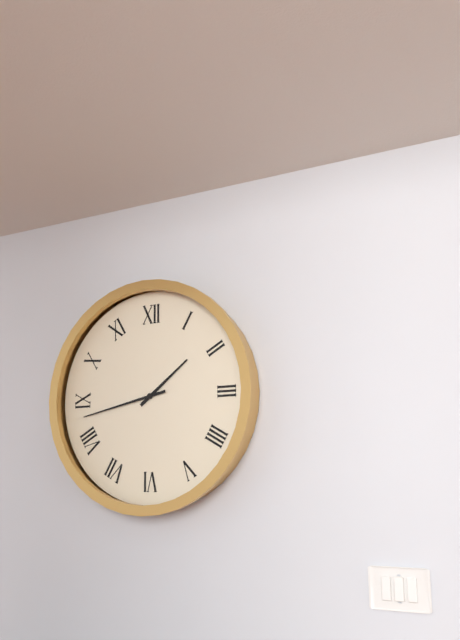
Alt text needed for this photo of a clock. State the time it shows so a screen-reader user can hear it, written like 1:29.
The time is 1:43
